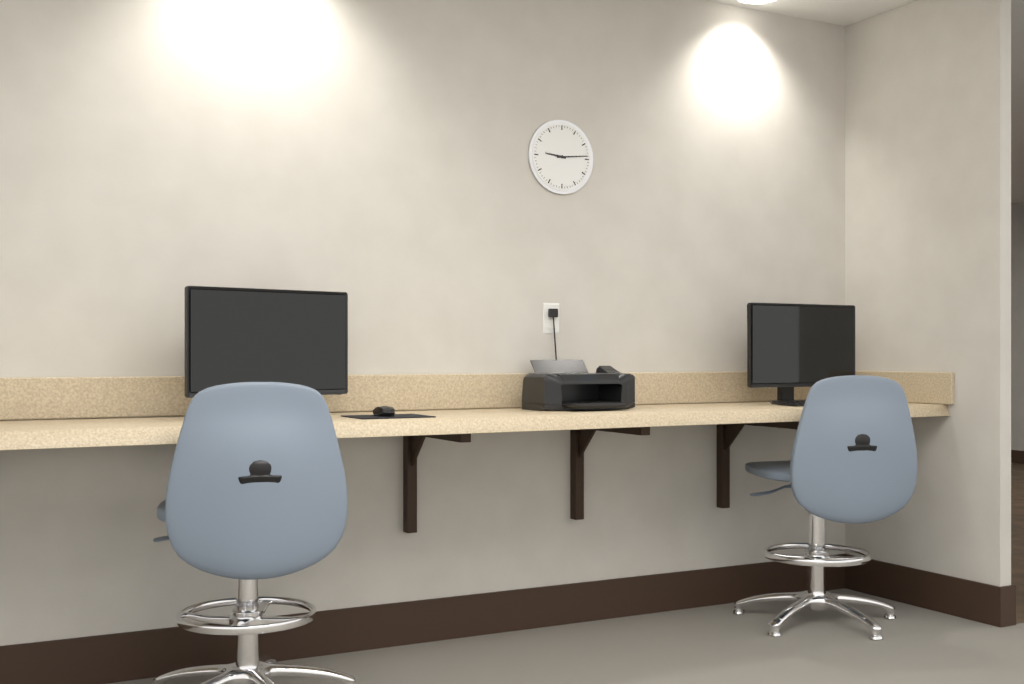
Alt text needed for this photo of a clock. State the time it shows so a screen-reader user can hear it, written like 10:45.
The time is 9:14
